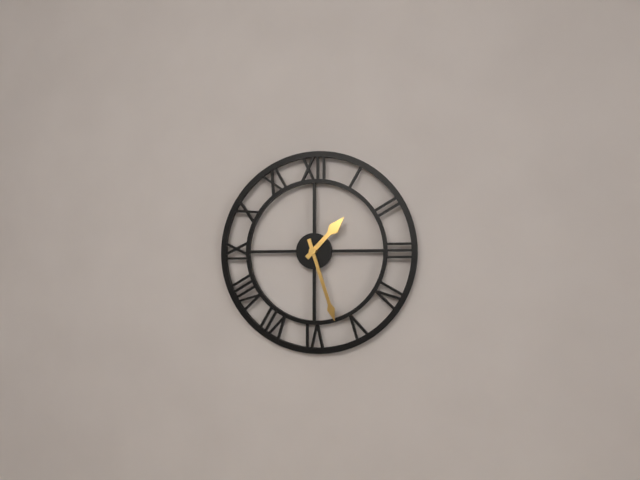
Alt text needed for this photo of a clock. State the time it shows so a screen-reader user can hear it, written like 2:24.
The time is 1:27
